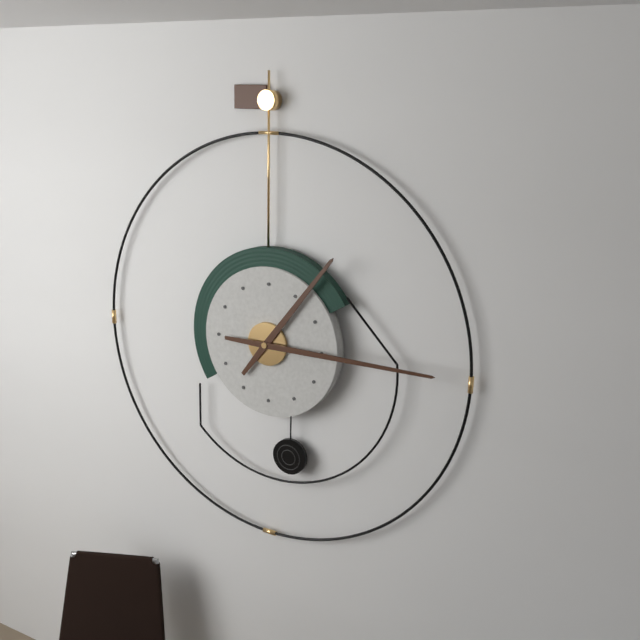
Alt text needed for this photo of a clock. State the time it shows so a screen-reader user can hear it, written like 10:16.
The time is 1:15
